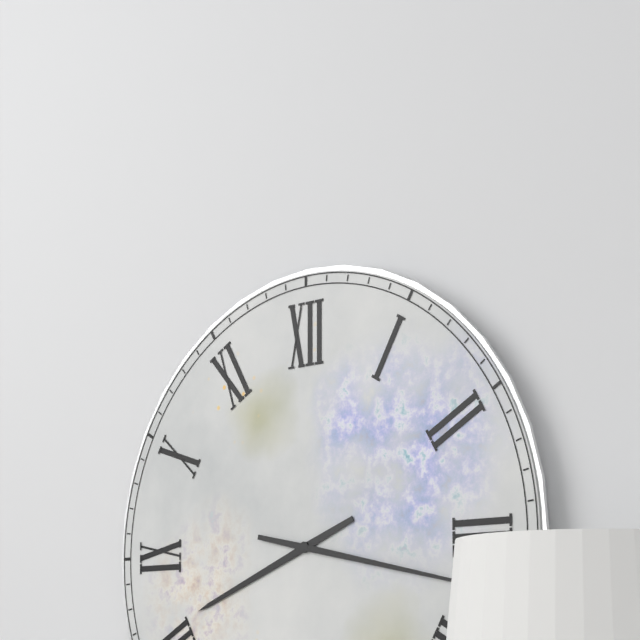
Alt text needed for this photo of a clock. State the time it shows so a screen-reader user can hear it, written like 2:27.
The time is 8:17
